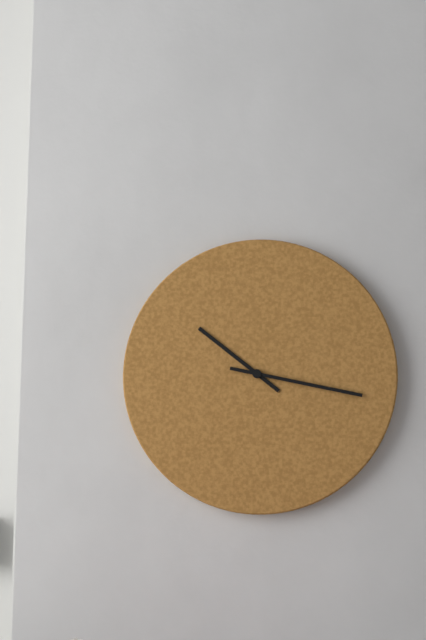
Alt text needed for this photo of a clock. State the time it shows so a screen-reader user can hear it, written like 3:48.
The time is 10:17
